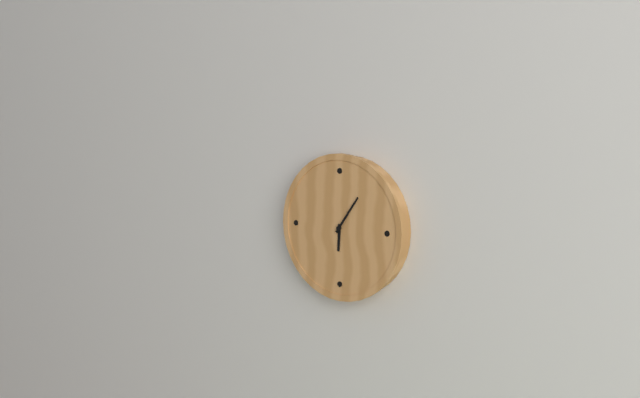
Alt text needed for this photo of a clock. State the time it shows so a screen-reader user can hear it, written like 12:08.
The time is 6:06
